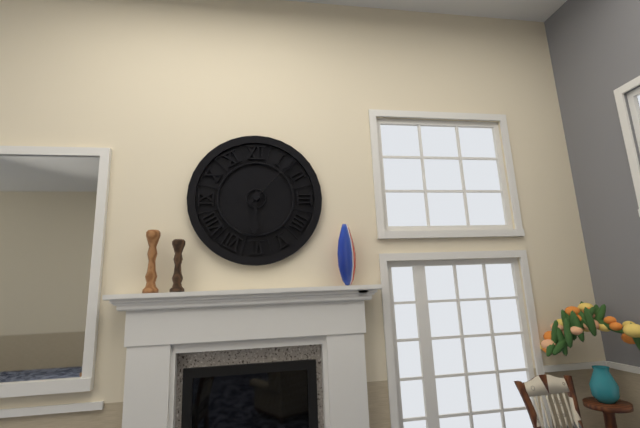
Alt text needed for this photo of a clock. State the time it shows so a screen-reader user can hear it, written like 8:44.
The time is 6:07
